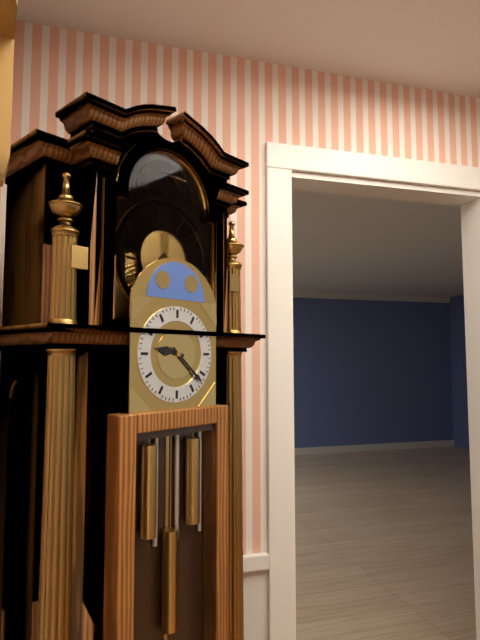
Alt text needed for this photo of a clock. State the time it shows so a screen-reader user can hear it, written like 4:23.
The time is 9:22
